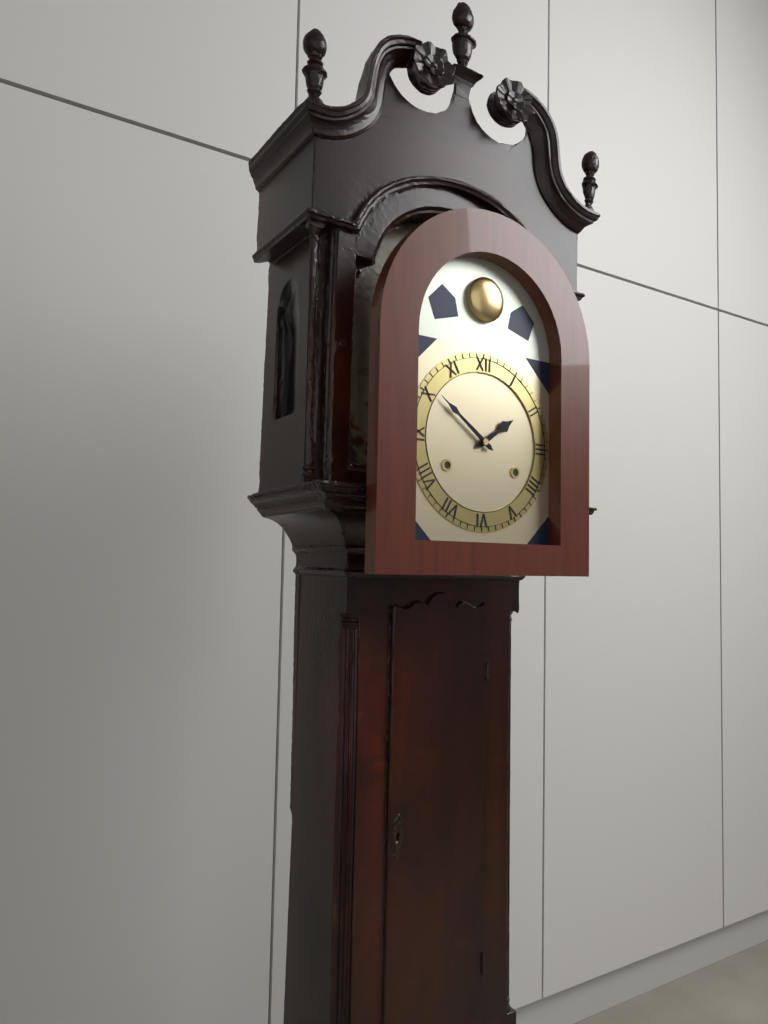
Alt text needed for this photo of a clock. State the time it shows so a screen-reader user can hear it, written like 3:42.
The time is 1:51
